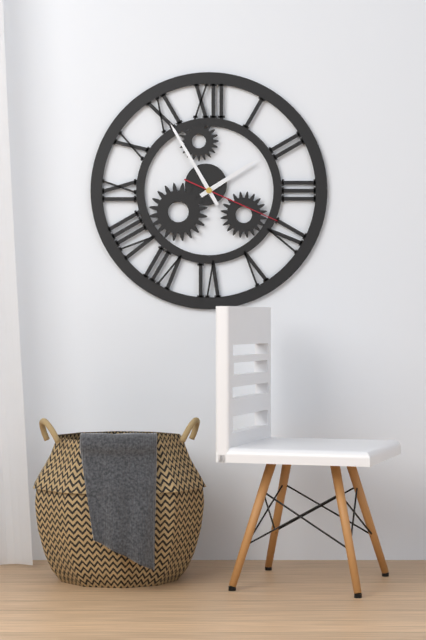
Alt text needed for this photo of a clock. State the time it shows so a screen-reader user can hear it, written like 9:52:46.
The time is 1:55:19
